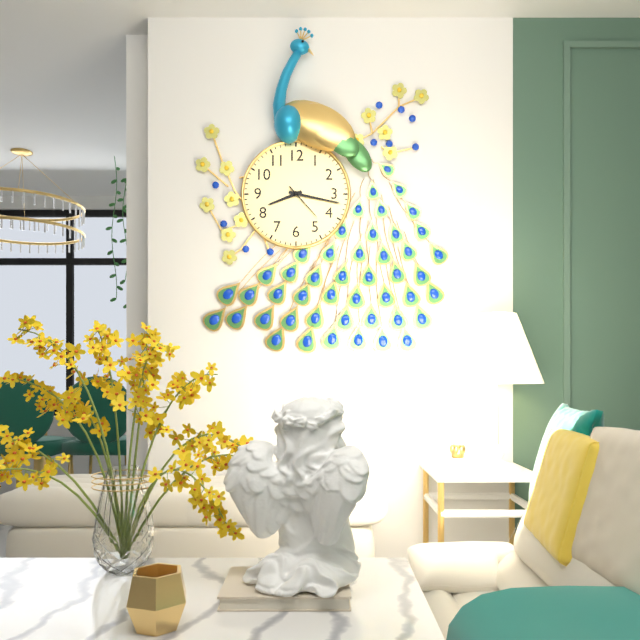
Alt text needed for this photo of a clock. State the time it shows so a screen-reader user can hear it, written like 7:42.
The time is 8:17
